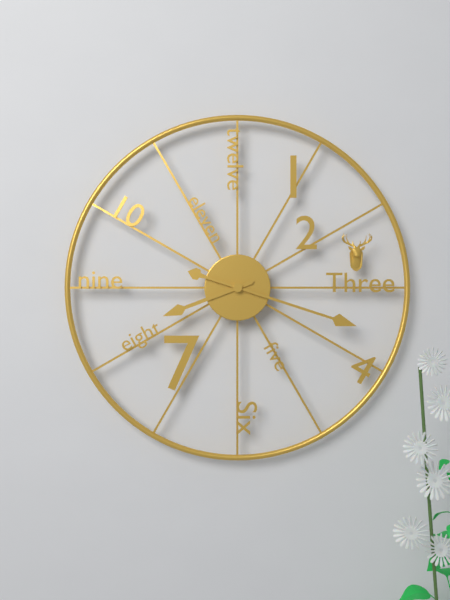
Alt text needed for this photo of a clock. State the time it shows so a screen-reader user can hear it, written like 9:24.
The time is 8:18
